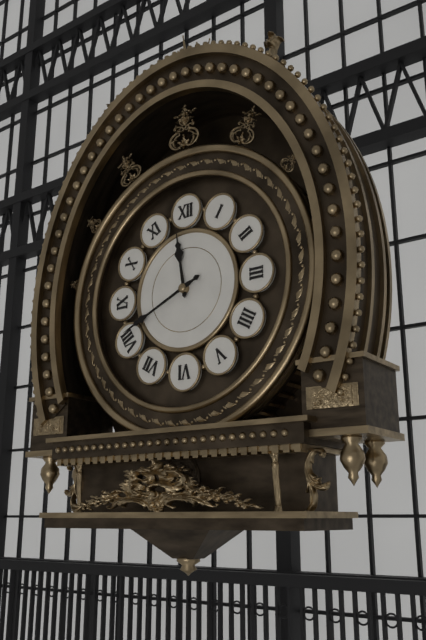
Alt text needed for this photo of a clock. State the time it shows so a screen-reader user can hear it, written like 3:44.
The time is 11:41
